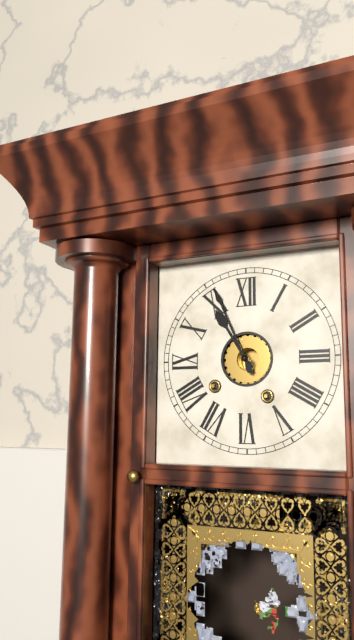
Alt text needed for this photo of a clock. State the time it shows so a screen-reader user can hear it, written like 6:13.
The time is 10:56
